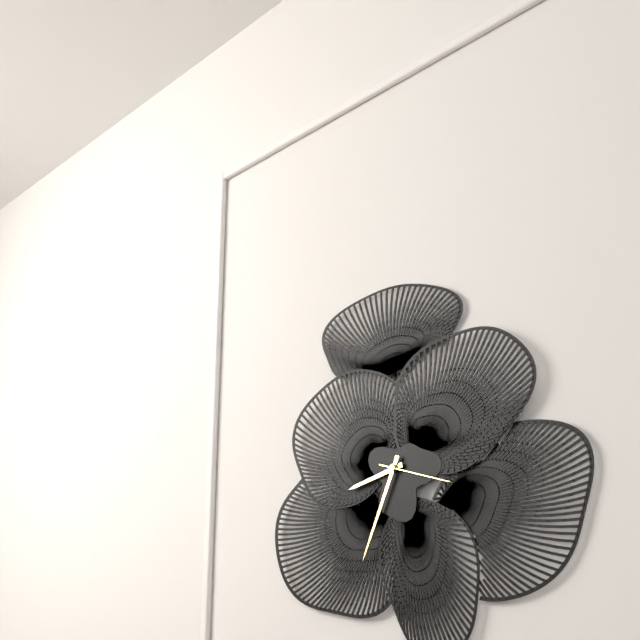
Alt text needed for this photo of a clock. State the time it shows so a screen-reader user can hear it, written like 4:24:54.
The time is 8:34:18
